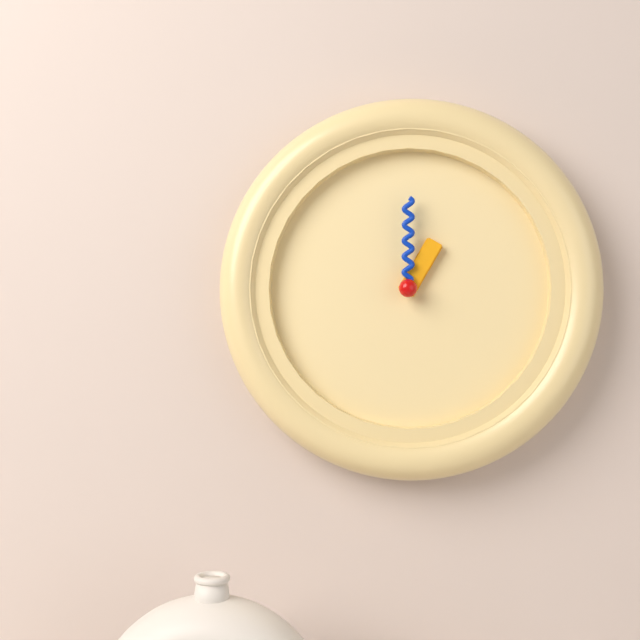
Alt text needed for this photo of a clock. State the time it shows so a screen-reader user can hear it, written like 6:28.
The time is 1:00
